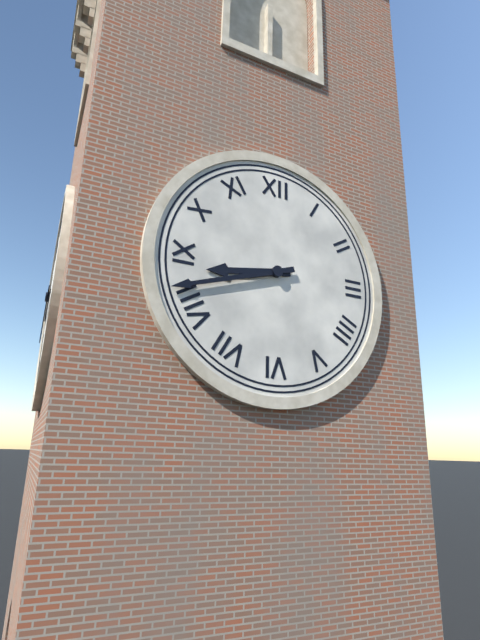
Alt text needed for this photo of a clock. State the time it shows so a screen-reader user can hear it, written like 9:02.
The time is 8:42
